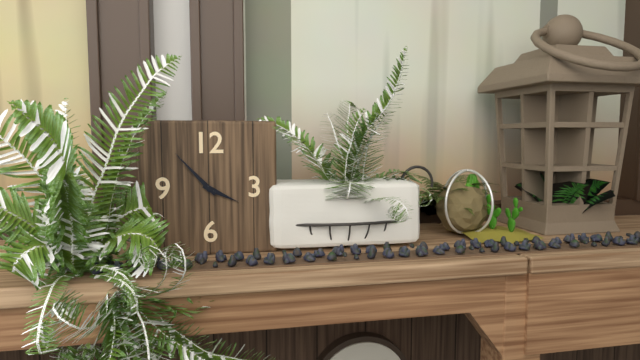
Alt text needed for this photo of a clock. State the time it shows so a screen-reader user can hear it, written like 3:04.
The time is 3:53
